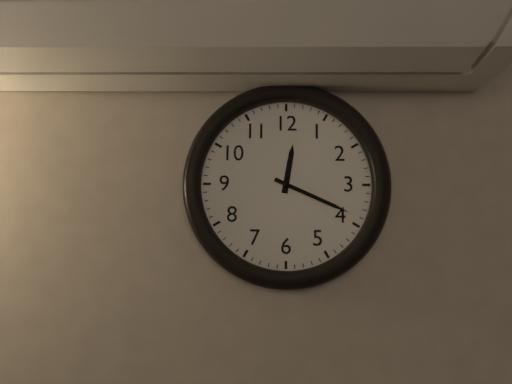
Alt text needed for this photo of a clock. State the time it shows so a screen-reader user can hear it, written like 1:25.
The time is 12:19
